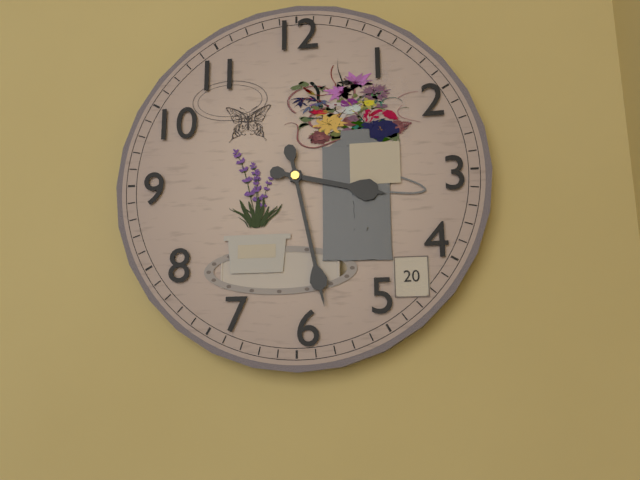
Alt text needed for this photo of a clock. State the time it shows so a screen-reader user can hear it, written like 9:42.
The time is 3:28
